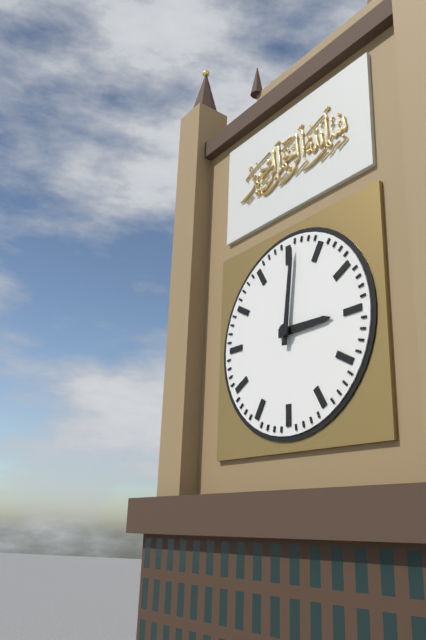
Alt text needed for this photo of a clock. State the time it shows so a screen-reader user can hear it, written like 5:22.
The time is 3:01
